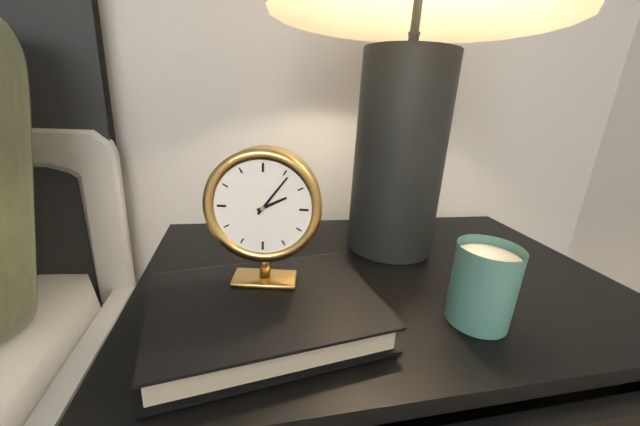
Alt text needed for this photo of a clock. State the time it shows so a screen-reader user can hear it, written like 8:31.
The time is 2:06
